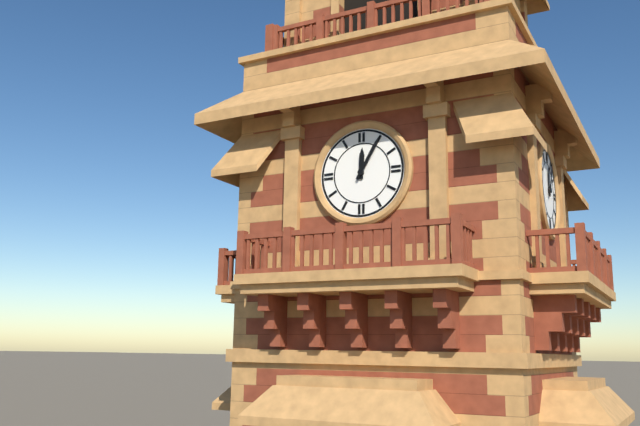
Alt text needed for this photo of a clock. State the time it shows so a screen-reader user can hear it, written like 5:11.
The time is 12:05
